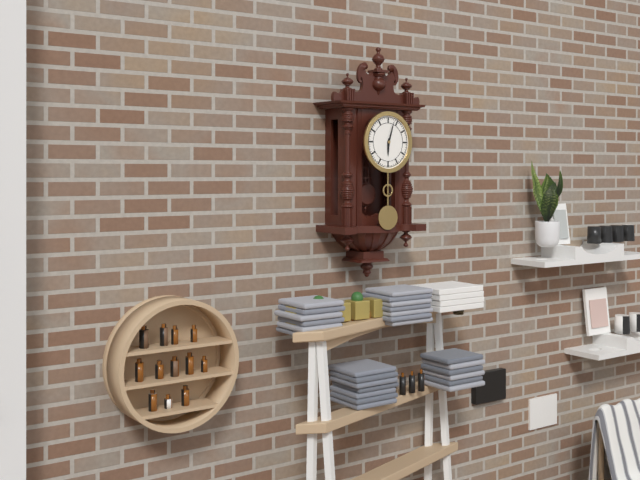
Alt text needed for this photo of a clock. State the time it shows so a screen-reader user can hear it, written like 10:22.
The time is 6:03
